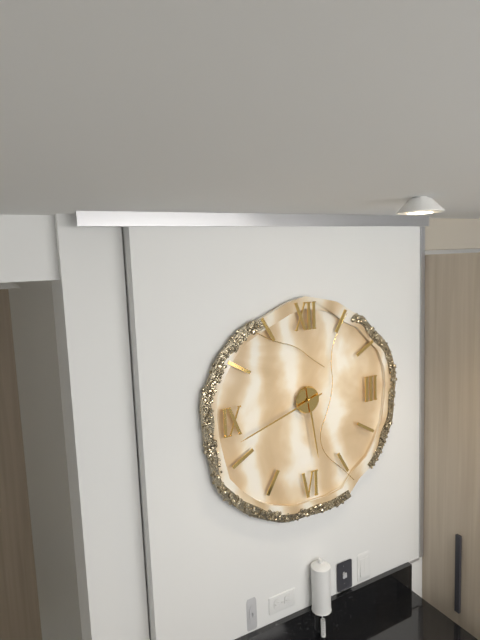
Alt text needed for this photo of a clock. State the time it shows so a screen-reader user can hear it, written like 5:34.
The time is 5:42
